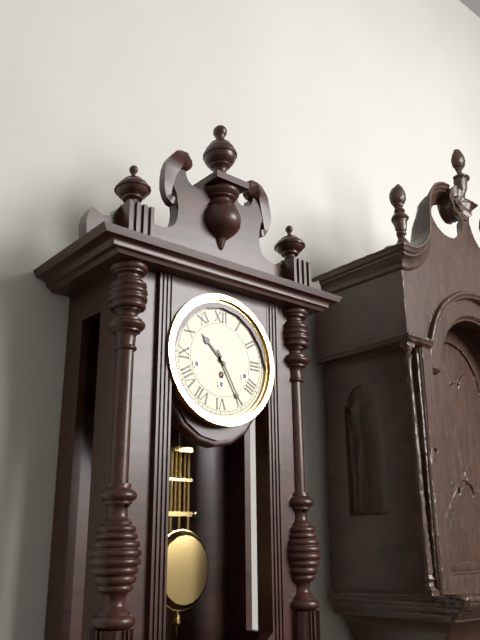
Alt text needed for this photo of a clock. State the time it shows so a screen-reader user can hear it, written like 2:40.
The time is 10:25
